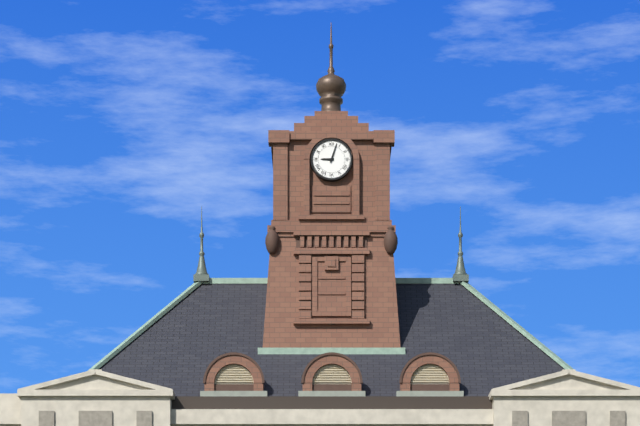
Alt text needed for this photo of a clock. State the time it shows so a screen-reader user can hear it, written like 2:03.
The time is 9:03
